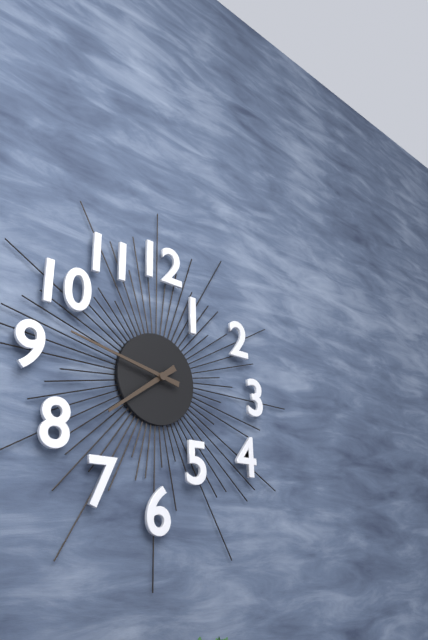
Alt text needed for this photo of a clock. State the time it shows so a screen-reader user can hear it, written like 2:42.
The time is 7:47
